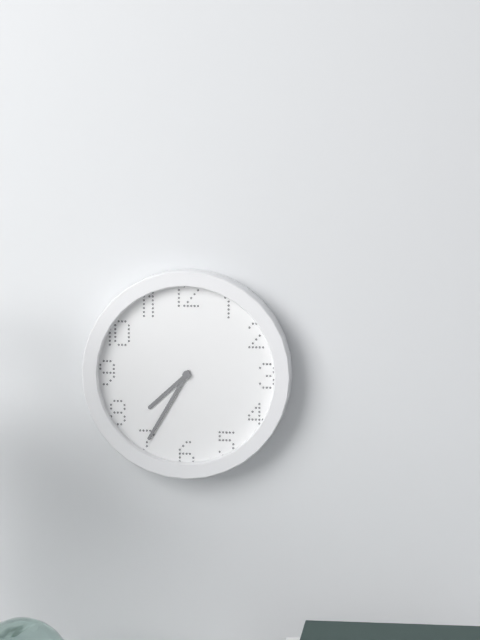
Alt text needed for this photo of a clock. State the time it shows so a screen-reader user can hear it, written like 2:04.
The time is 7:35
